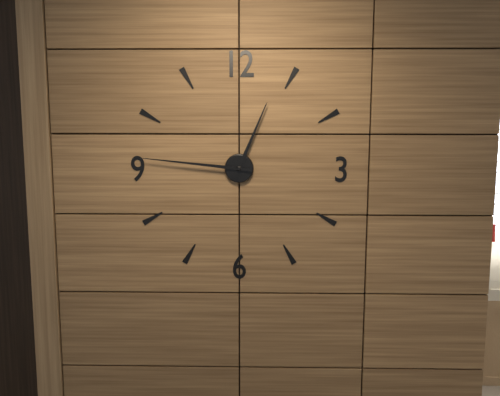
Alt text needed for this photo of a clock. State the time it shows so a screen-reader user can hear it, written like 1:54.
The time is 12:46
